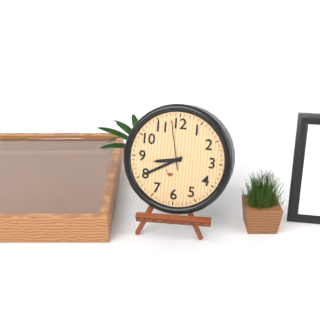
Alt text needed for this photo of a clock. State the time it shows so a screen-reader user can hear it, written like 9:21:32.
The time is 8:40:58
